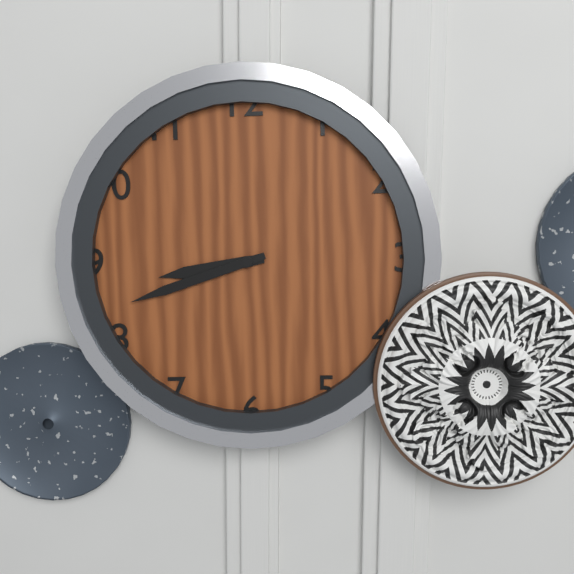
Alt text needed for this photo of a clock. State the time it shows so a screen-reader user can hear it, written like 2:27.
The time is 8:42
